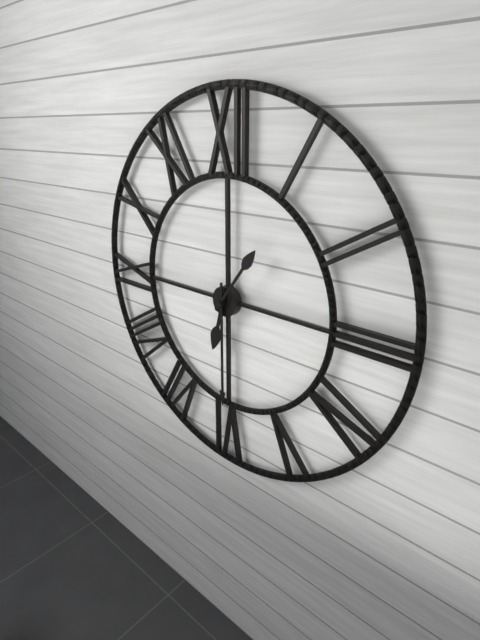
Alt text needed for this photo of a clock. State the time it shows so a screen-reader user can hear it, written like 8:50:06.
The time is 6:30:06
